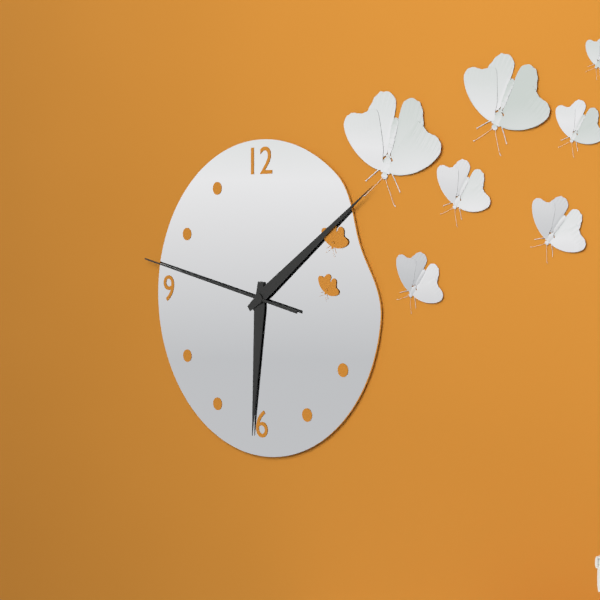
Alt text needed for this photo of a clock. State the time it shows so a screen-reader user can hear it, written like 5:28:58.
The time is 6:09:47
